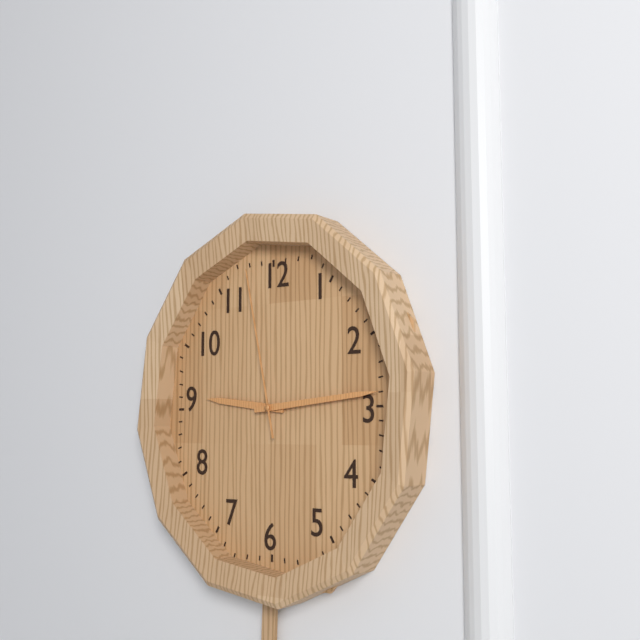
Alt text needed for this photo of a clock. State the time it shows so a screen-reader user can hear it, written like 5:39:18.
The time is 9:14:58
